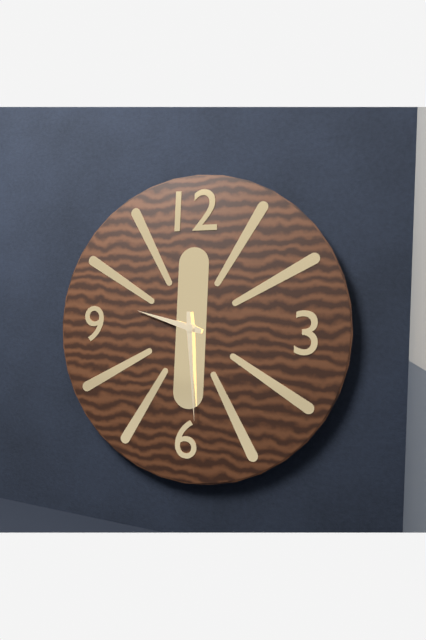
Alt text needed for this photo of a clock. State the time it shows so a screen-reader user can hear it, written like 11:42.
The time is 9:29
